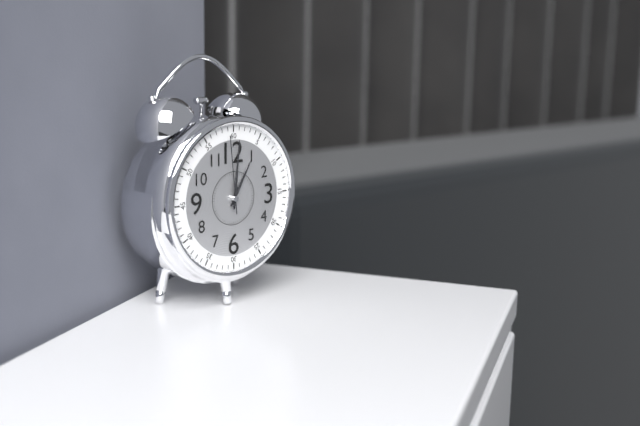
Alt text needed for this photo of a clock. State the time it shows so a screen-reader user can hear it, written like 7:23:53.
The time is 1:01:59
